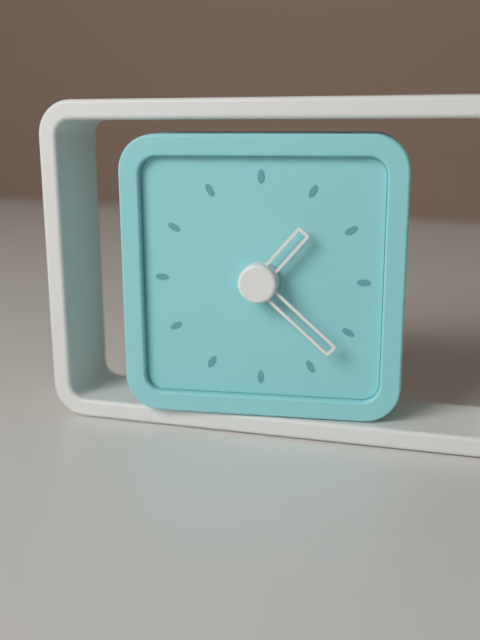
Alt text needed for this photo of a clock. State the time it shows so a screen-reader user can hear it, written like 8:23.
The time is 1:22
